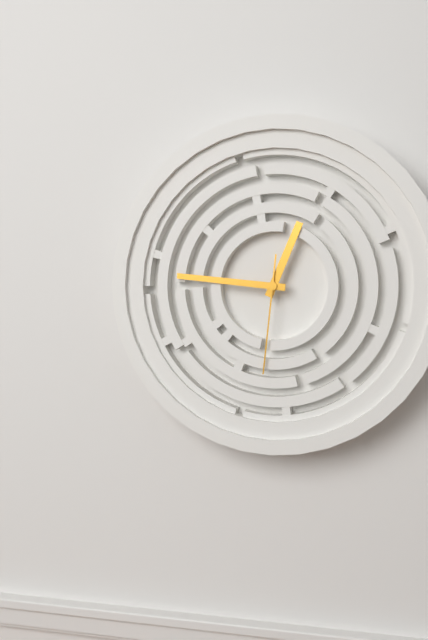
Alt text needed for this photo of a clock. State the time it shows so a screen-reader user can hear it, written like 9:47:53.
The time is 12:46:31
